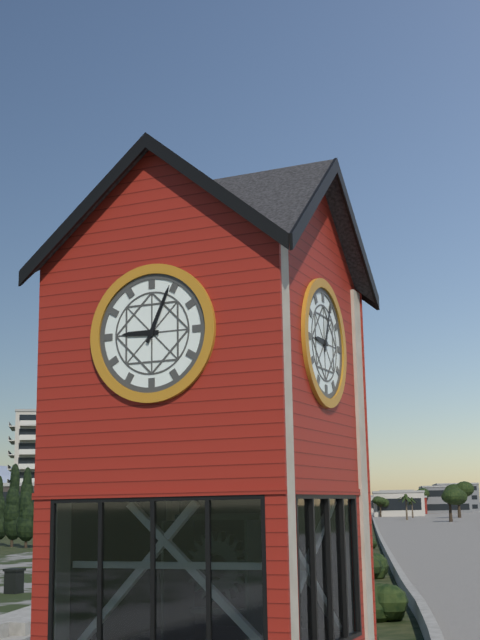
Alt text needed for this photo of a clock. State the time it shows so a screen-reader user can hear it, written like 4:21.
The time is 9:04
